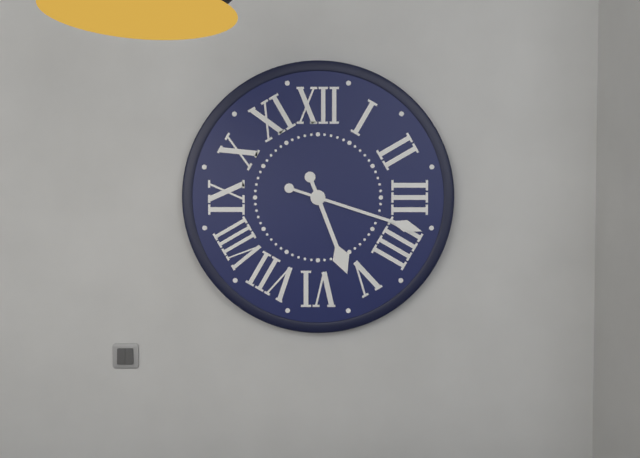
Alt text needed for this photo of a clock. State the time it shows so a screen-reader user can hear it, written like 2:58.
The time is 5:18
